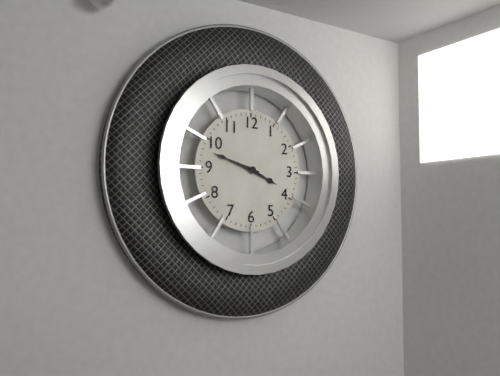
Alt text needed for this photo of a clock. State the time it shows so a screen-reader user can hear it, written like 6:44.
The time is 3:48
